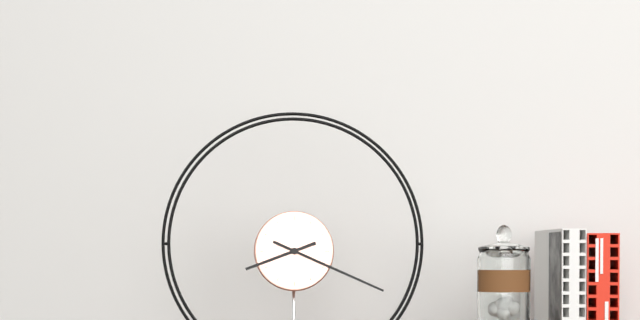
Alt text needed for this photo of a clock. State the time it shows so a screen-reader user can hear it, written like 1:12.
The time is 8:19
